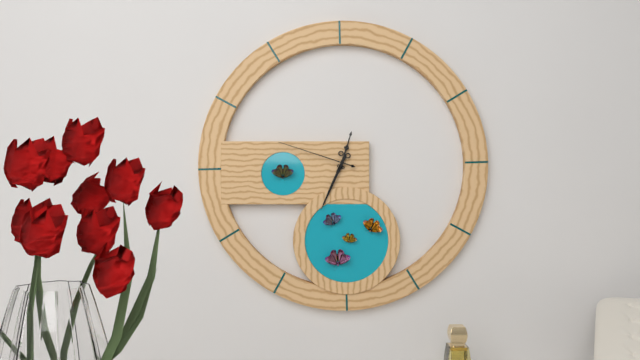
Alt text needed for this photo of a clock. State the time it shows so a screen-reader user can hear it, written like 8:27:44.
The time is 12:34:48
